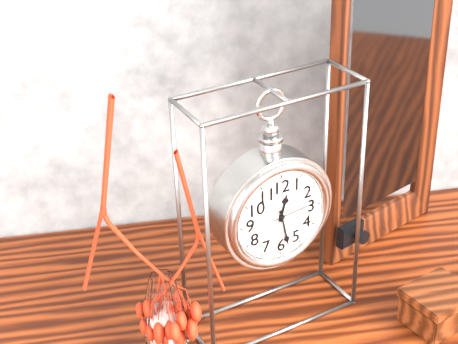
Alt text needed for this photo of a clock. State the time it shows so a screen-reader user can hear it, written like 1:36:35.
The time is 12:28:14
